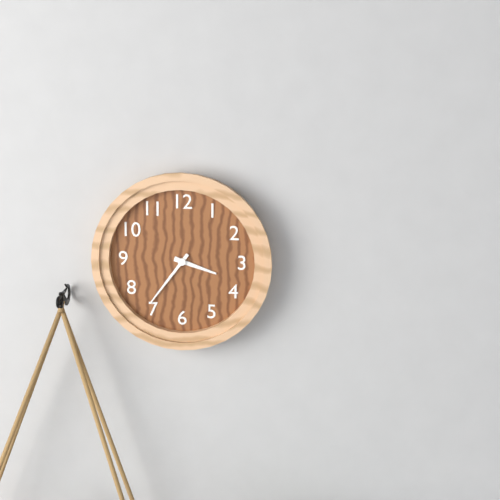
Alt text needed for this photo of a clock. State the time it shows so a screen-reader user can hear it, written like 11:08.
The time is 3:36
